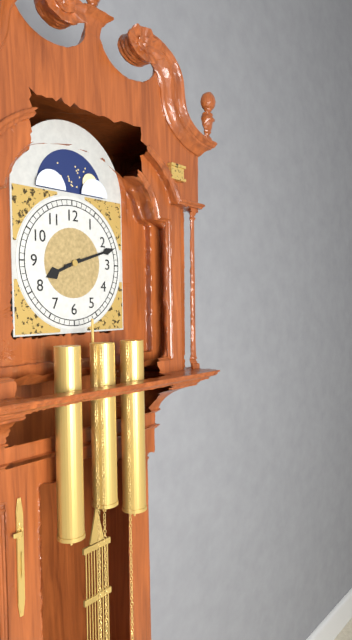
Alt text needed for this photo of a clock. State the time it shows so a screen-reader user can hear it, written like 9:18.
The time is 8:12
